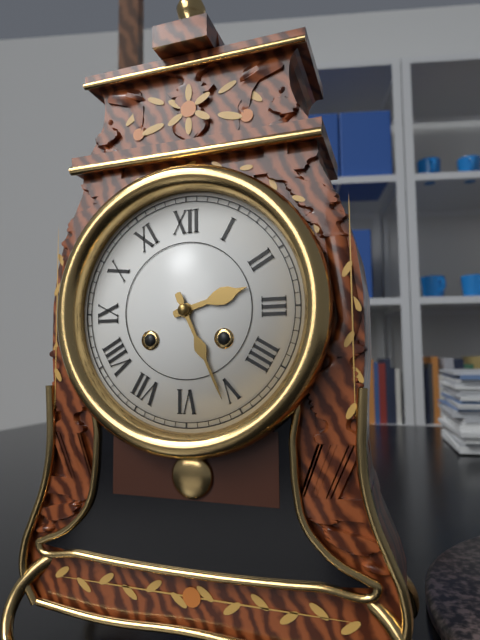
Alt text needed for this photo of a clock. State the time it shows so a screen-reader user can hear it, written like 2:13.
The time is 2:26
